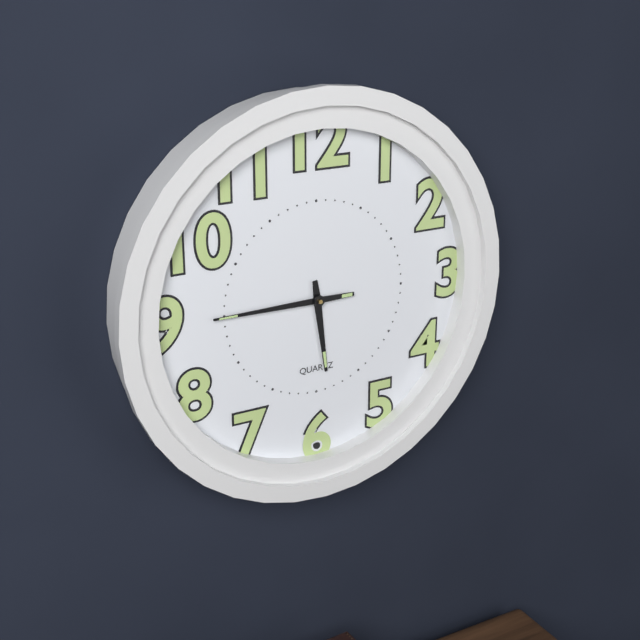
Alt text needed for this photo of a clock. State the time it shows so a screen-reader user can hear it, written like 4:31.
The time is 5:45
